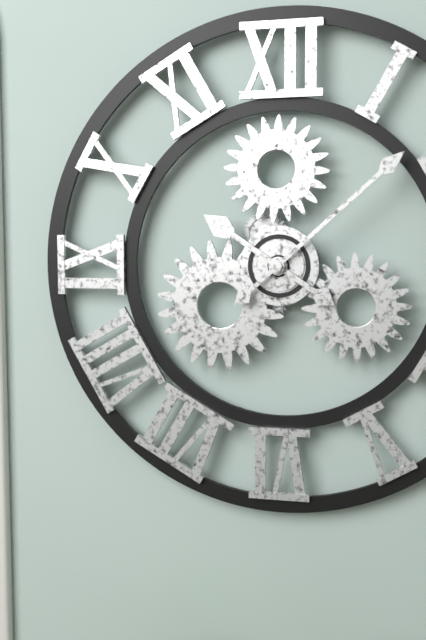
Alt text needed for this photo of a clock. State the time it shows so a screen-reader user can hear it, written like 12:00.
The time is 10:08
